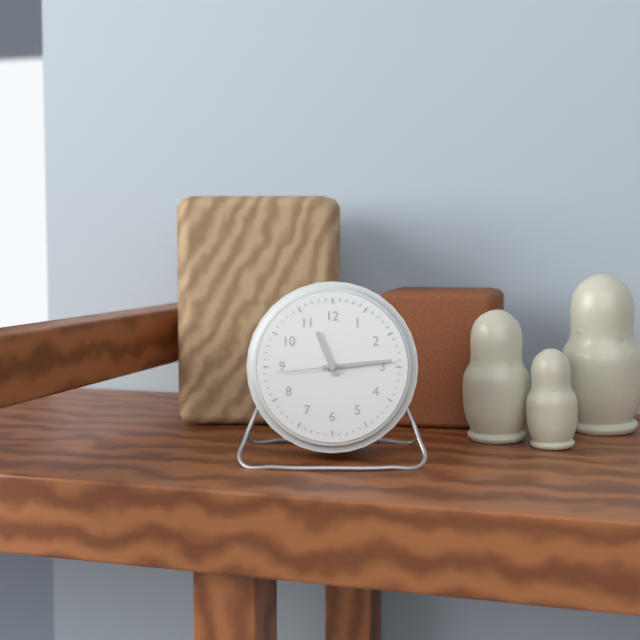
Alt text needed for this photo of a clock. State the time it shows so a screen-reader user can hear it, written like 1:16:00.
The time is 11:14:44
